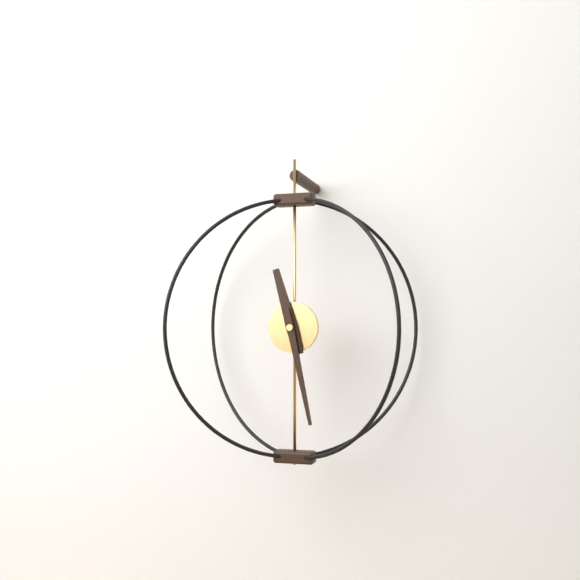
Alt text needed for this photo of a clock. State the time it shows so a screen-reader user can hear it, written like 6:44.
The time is 11:28
